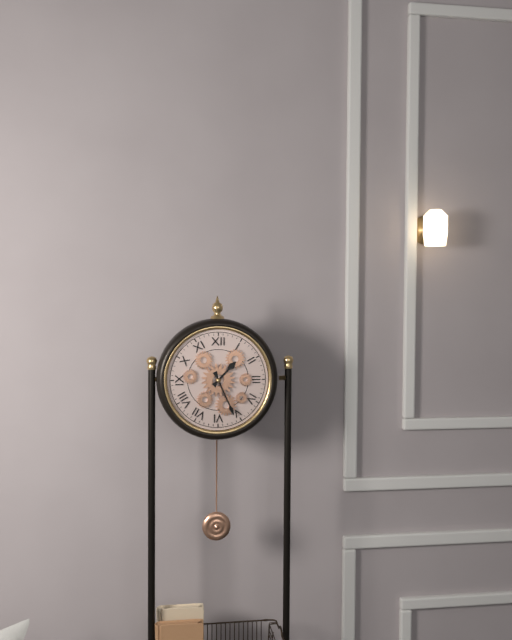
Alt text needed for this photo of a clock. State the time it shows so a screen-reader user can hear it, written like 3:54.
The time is 1:26
